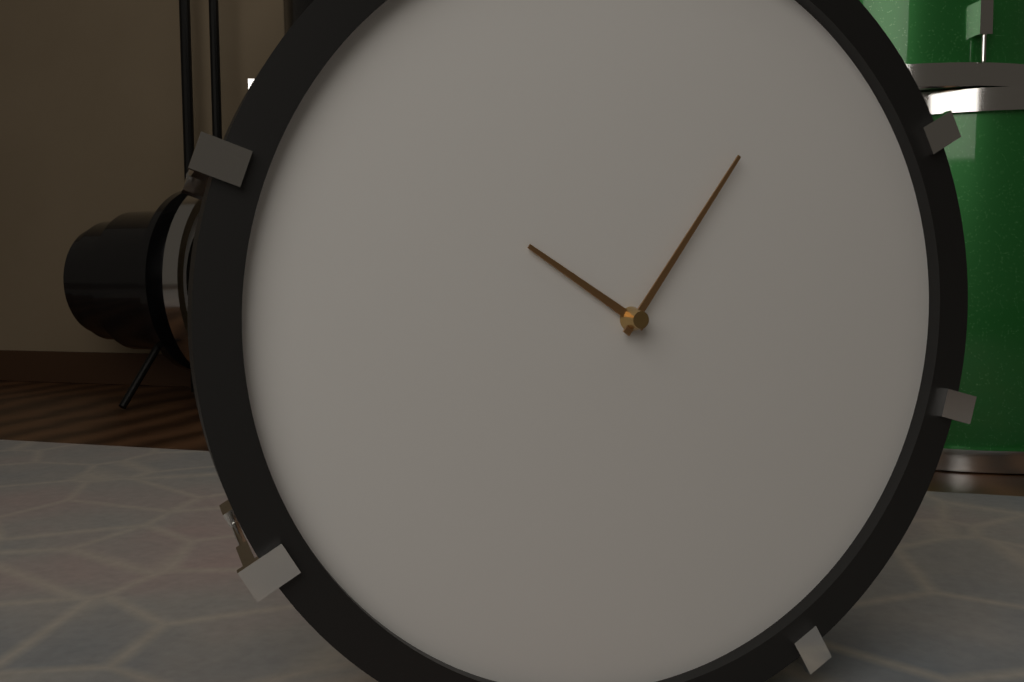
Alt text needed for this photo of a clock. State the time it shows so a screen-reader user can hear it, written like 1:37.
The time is 10:06
